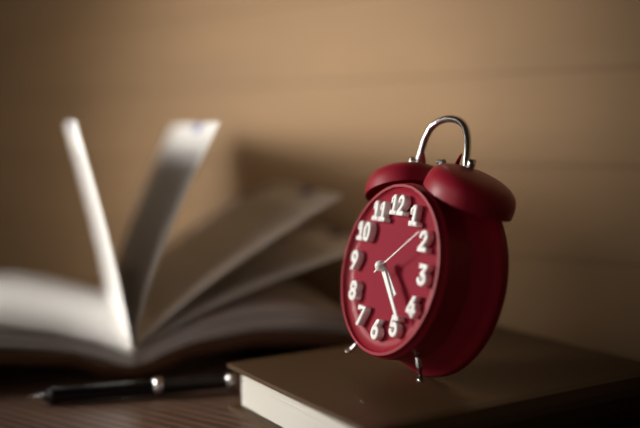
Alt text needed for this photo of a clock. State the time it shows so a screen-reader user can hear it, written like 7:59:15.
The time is 4:23:09
